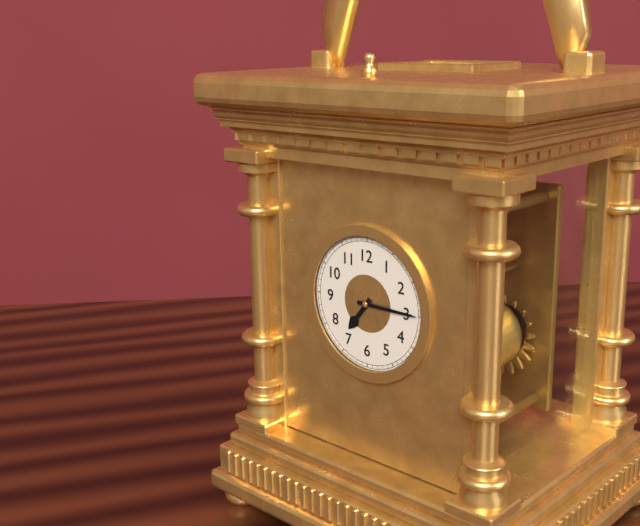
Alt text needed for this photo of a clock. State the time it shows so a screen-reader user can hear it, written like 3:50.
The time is 7:15
